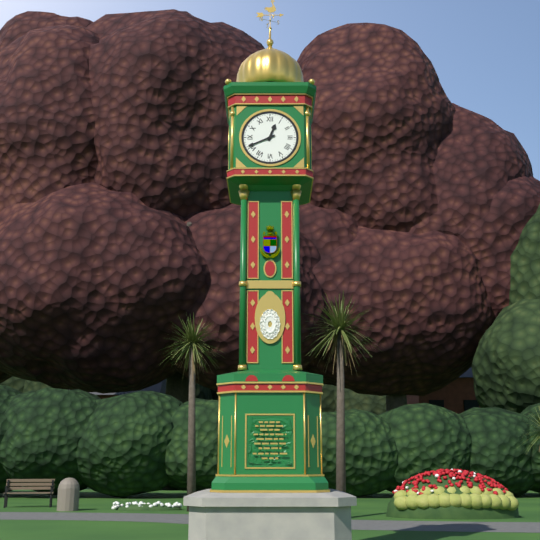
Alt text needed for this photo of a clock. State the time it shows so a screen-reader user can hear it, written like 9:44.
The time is 12:41
